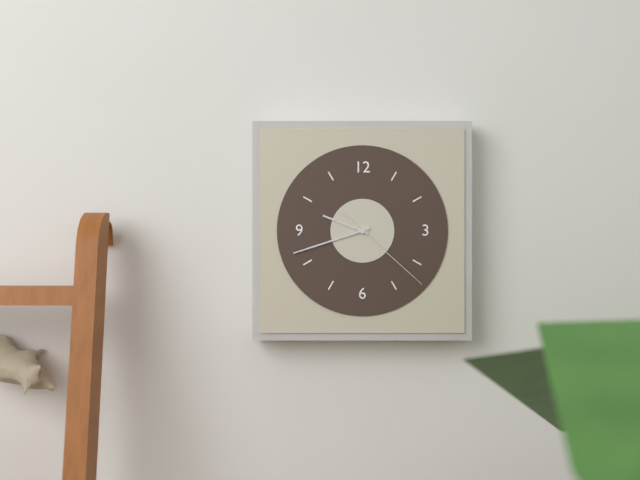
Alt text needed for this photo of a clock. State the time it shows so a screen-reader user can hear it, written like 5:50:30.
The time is 9:42:22
